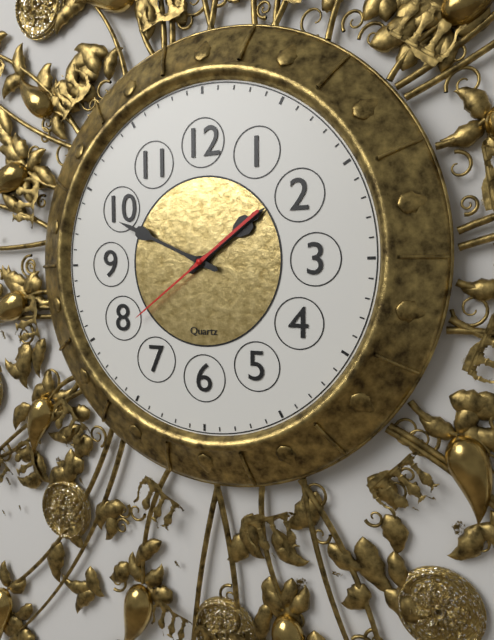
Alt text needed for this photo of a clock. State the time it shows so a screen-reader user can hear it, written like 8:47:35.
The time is 1:49:39
